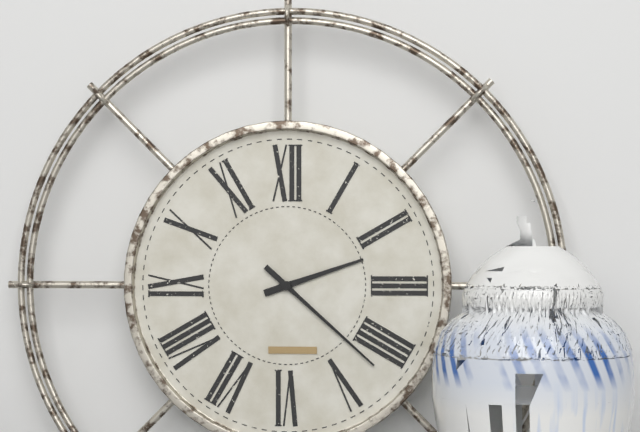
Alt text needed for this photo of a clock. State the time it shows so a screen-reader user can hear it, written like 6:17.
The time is 2:22
